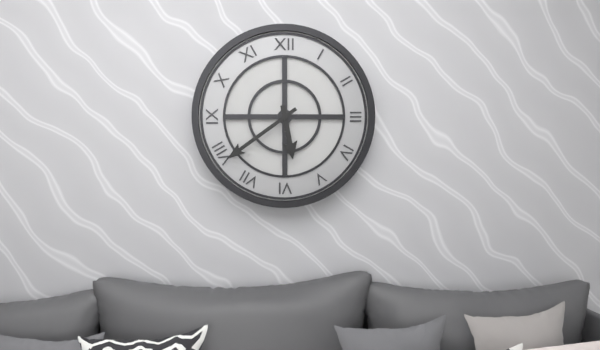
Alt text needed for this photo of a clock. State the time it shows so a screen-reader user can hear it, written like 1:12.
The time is 5:39
